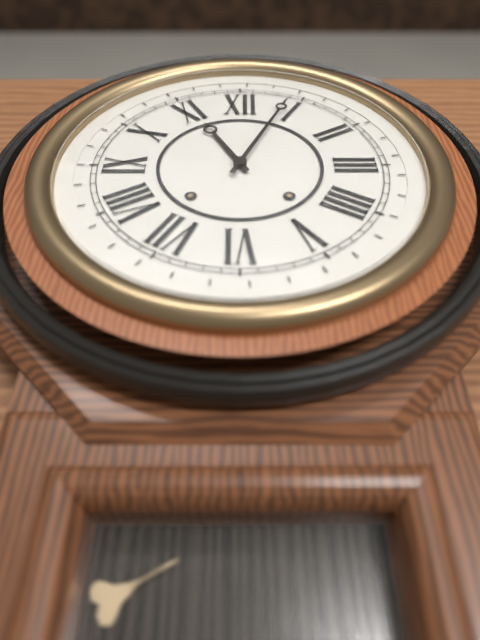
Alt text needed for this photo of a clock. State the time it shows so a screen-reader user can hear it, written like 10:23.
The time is 11:04
